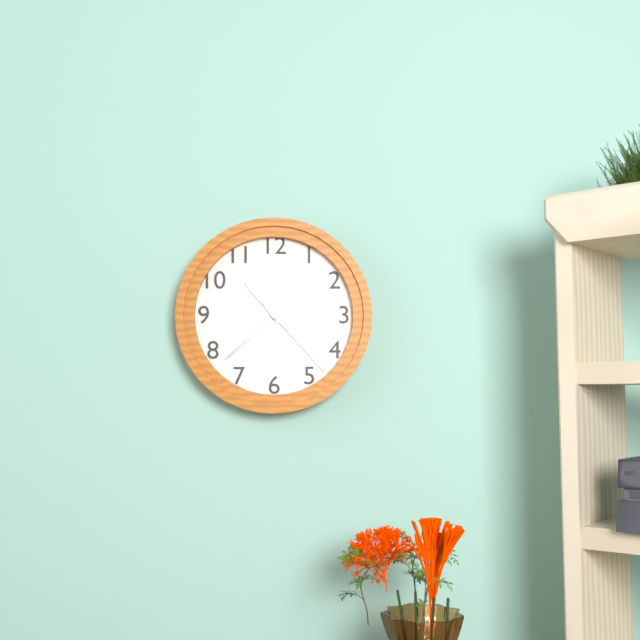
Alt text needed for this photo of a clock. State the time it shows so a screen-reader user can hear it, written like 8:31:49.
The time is 10:38:23
